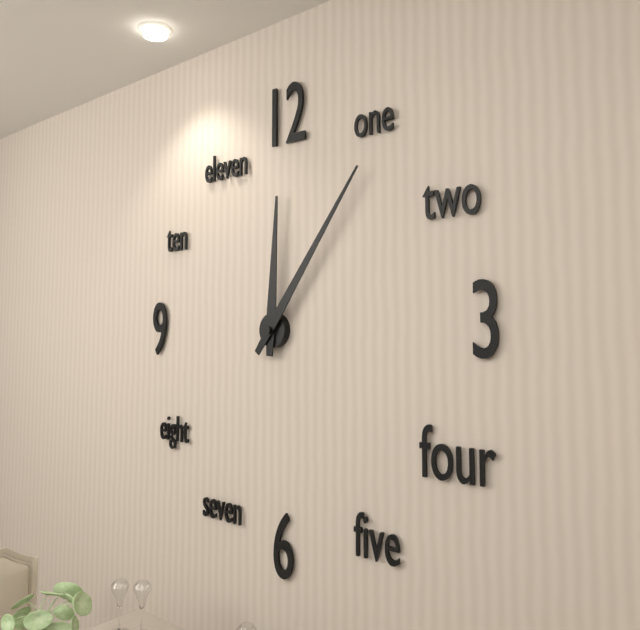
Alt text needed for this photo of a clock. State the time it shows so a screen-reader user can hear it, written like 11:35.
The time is 12:06
